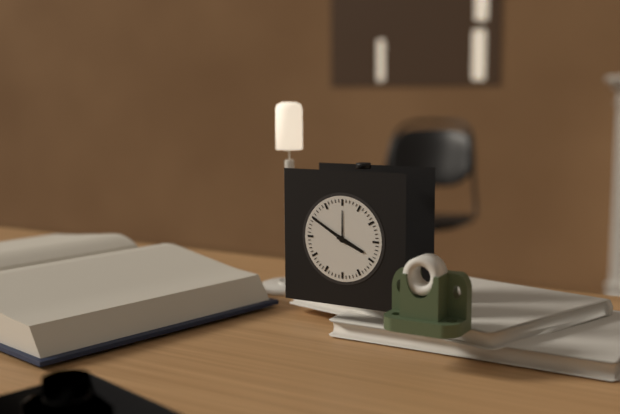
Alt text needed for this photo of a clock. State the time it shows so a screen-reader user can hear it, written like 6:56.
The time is 3:50
